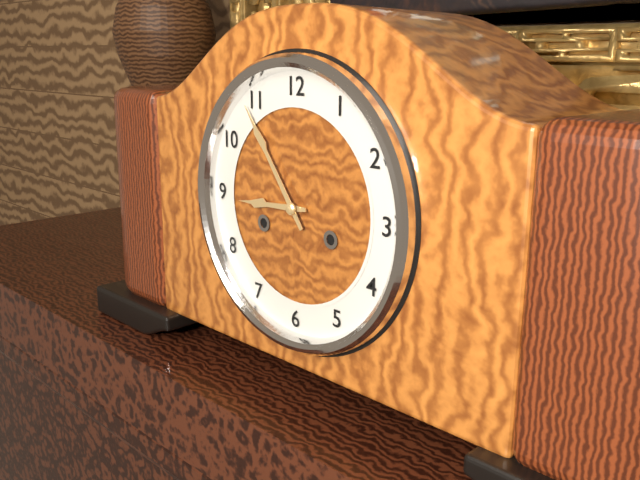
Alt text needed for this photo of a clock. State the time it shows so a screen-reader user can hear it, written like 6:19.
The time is 8:54
